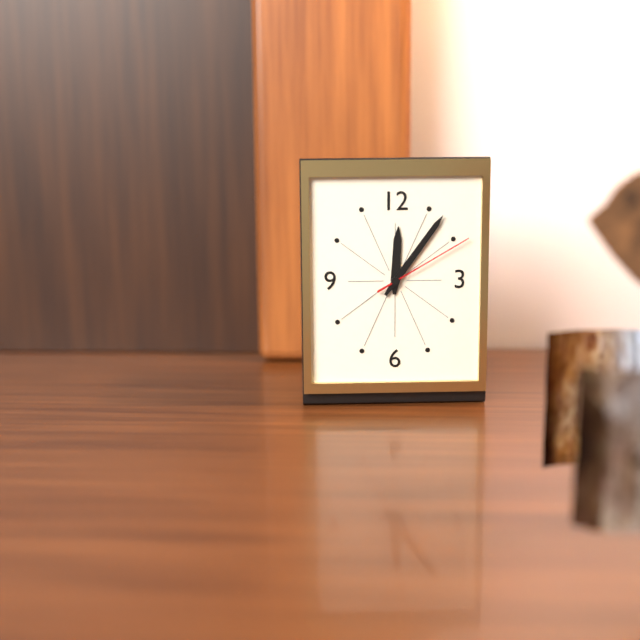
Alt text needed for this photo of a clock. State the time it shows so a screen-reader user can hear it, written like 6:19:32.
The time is 12:06:10
